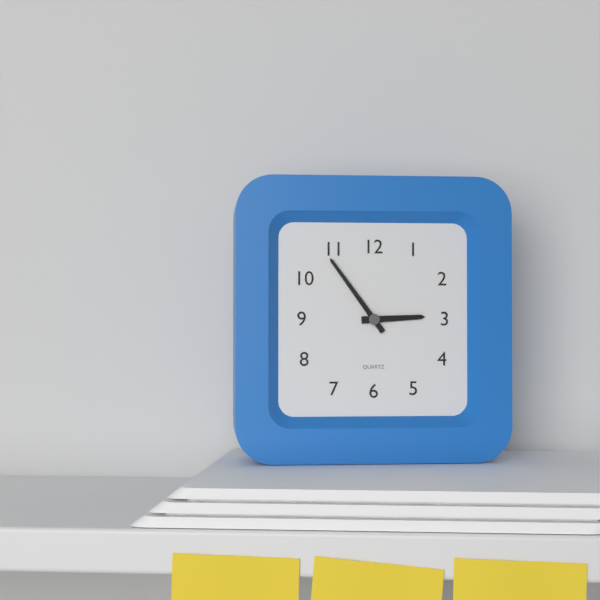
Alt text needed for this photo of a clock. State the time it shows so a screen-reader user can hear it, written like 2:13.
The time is 2:54
